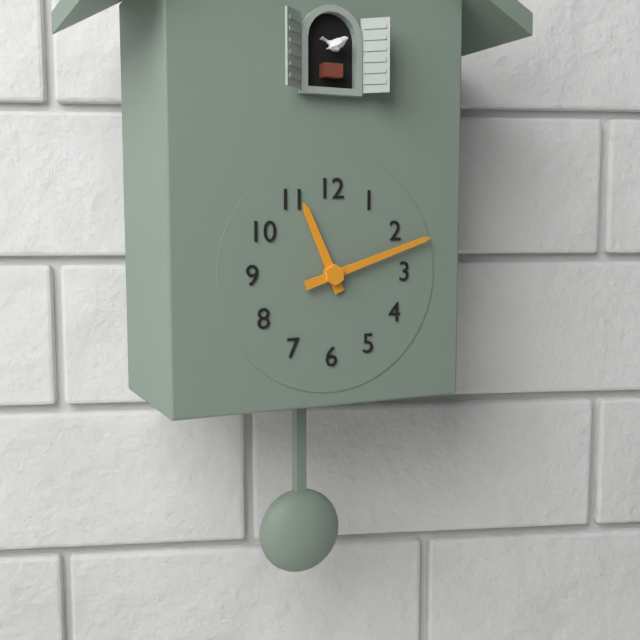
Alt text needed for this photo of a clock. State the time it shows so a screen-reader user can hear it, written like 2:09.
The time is 11:12
